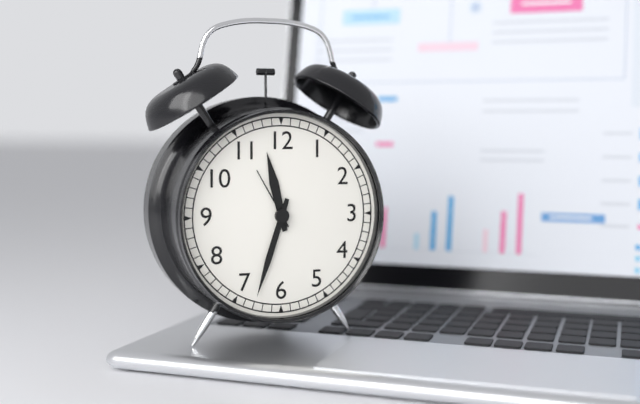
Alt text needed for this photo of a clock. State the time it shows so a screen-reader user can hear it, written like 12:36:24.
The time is 11:33:55
